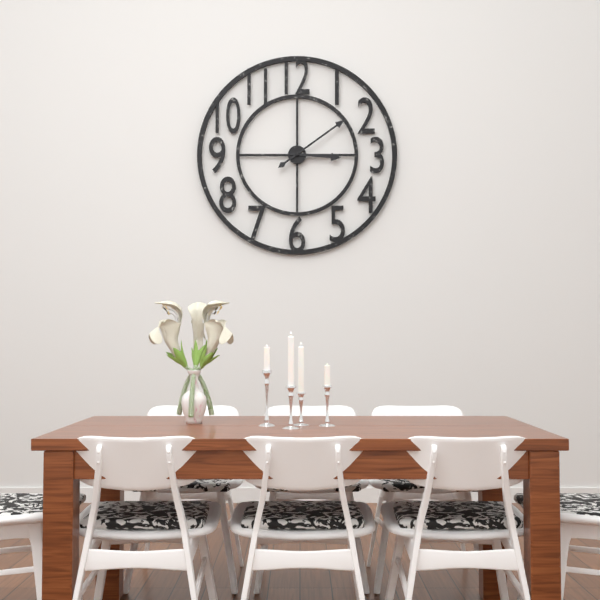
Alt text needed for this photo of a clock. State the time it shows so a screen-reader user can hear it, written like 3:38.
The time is 3:09
